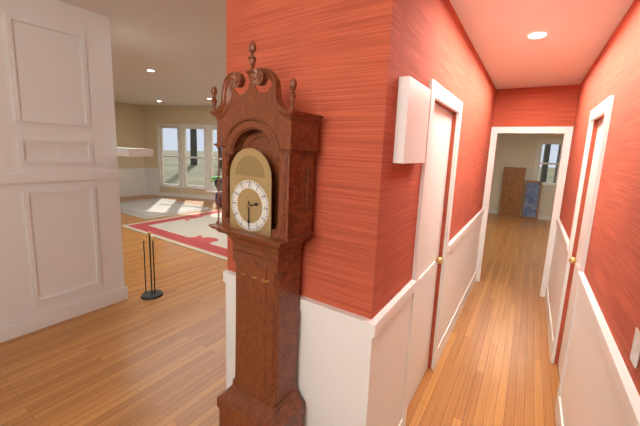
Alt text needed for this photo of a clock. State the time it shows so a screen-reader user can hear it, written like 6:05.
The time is 2:30
